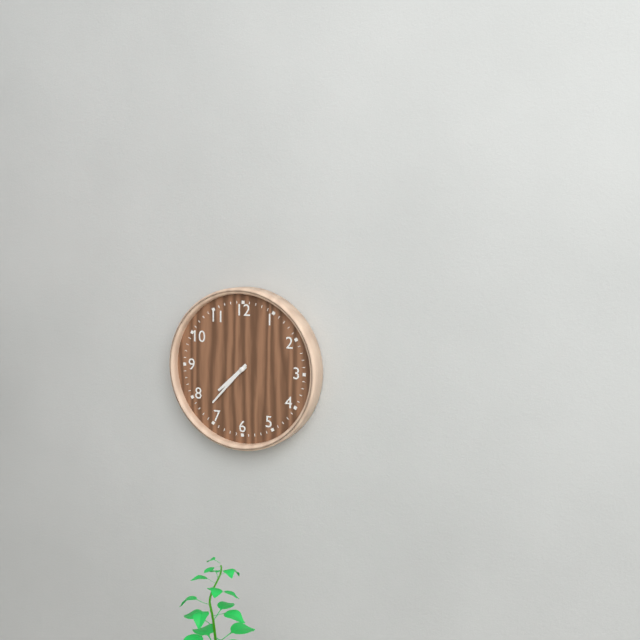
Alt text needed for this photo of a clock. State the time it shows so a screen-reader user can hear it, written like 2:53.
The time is 7:37
